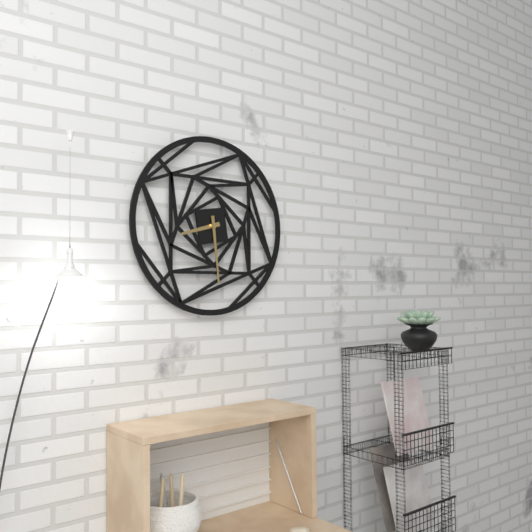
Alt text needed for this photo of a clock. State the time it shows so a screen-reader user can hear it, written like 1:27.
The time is 8:29
